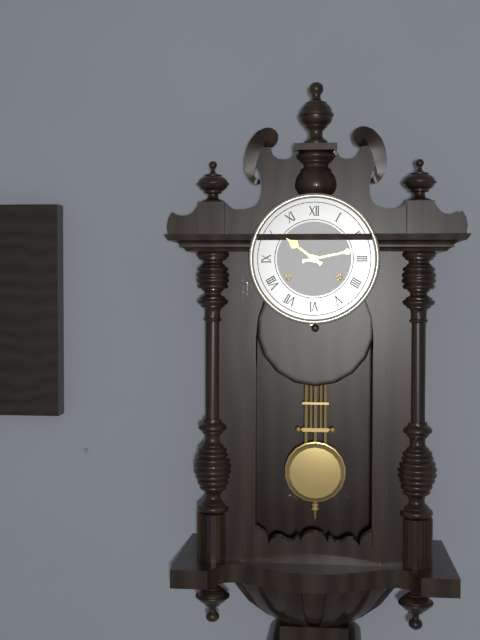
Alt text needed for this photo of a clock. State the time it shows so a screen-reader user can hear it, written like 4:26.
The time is 10:13
